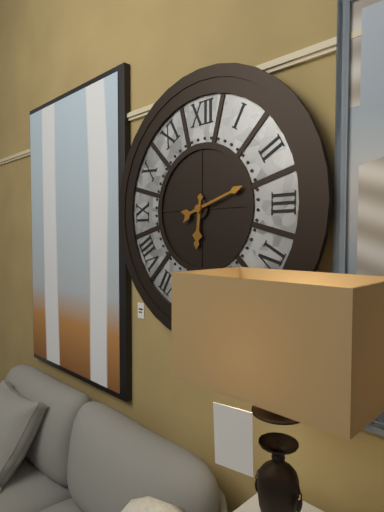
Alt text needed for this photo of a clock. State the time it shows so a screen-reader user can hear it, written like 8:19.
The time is 6:12
